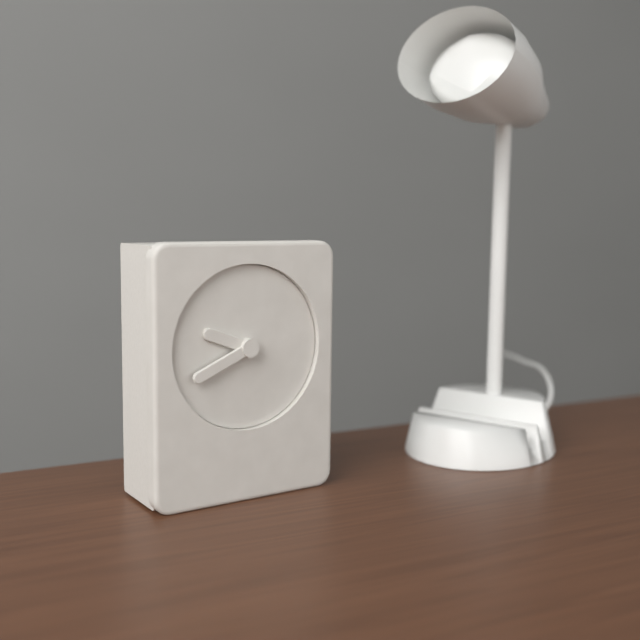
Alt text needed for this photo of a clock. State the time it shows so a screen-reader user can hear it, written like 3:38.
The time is 9:41
